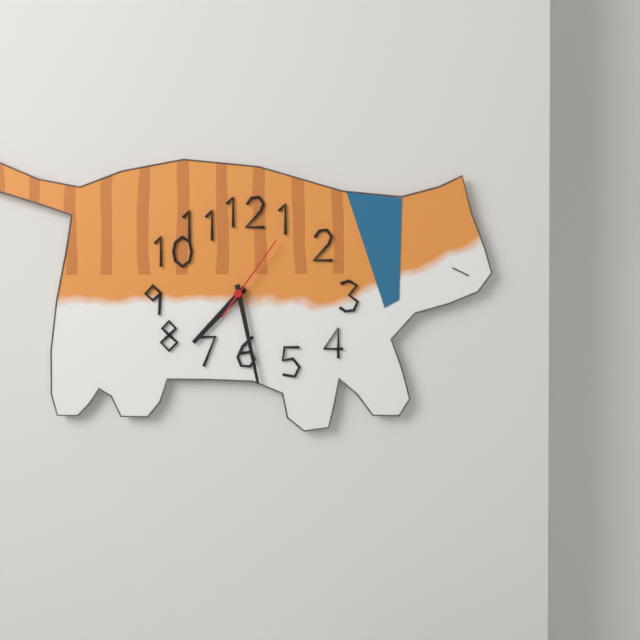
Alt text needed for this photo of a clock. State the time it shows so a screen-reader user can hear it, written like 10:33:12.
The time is 7:28:06
